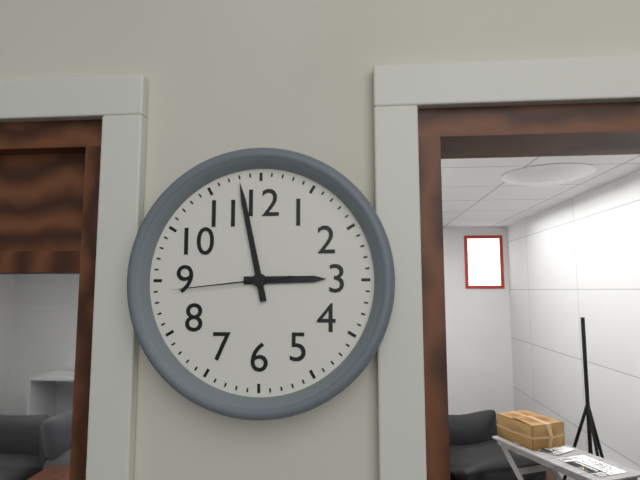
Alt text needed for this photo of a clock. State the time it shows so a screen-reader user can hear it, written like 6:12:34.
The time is 2:58:44
